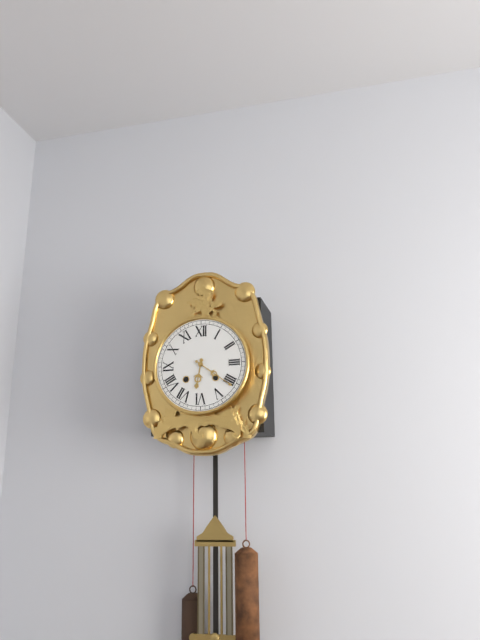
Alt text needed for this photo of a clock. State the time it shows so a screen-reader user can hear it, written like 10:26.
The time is 6:21
